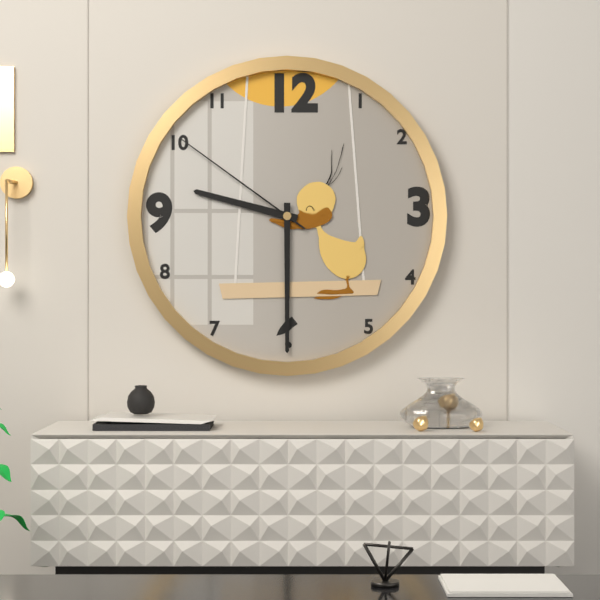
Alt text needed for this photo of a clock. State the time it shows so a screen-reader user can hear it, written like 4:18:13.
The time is 9:30:51
